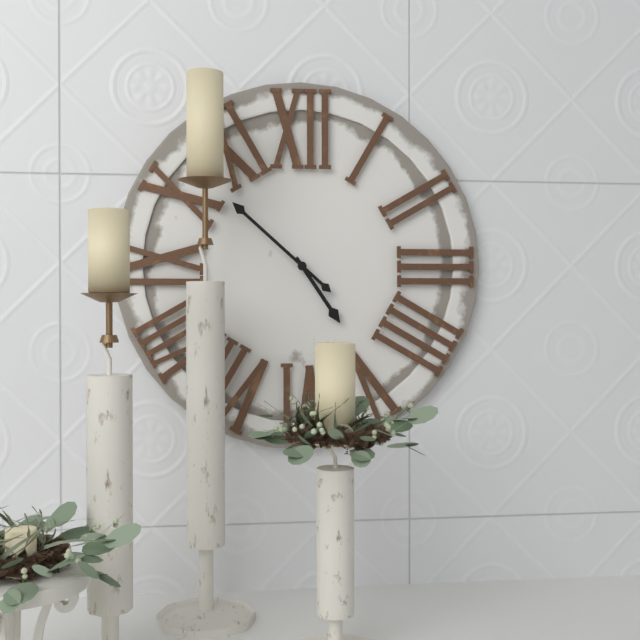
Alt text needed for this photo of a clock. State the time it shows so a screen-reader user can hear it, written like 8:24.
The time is 4:52
